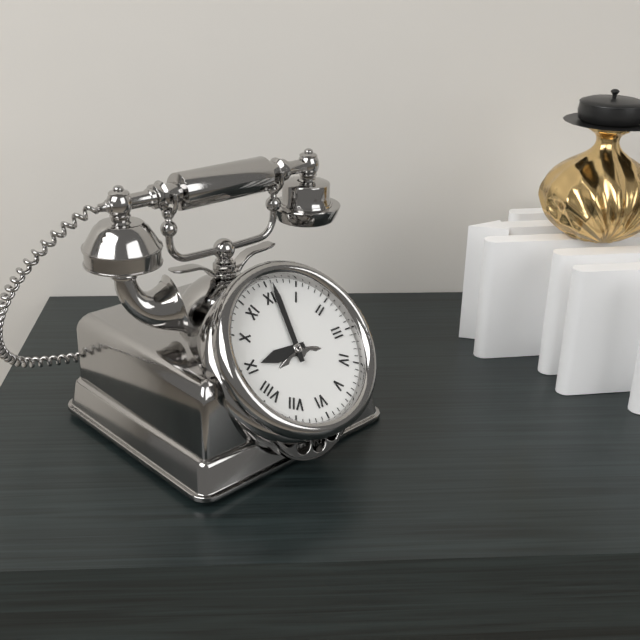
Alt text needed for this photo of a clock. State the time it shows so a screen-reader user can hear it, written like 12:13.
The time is 9:01
